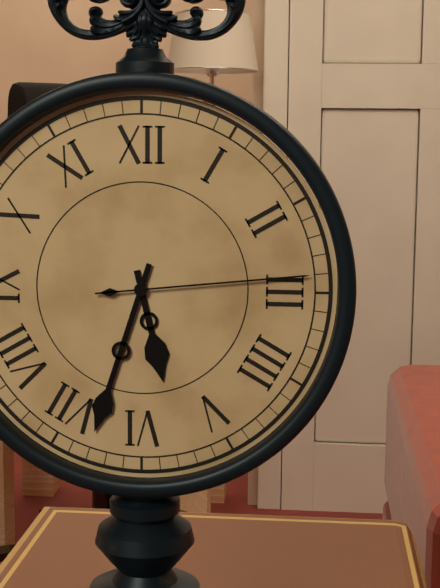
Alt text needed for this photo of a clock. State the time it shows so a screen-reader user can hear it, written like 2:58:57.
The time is 5:33:14
